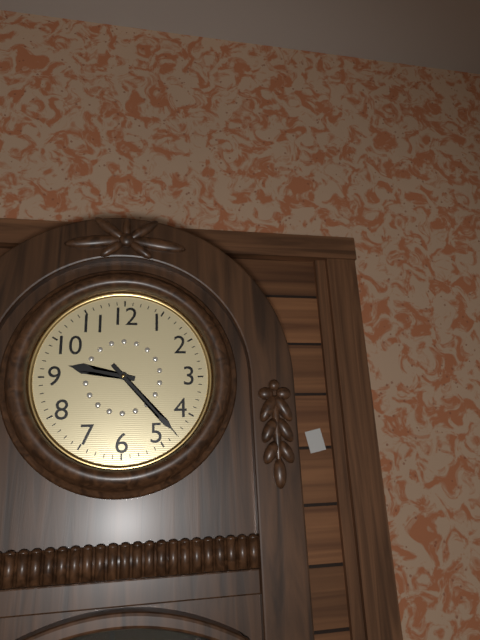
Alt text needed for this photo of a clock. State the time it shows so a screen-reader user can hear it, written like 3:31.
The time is 9:23
